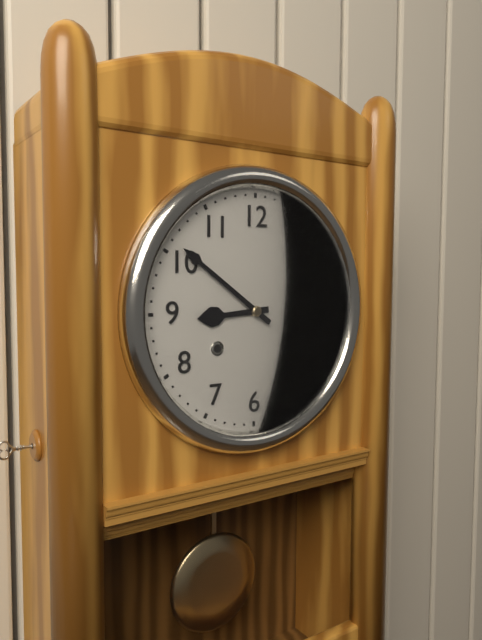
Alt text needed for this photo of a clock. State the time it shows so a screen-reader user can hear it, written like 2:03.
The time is 8:51
